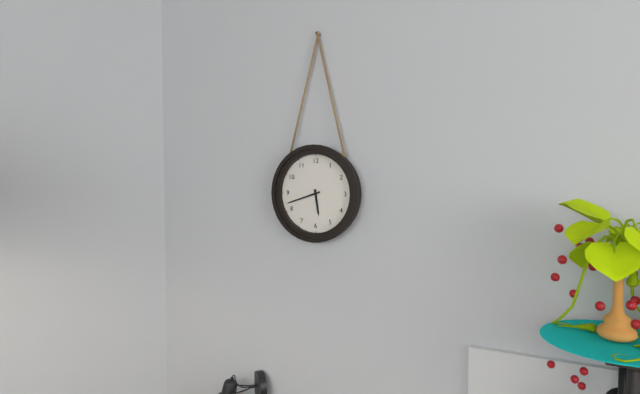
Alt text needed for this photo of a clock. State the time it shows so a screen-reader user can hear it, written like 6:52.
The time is 5:42
